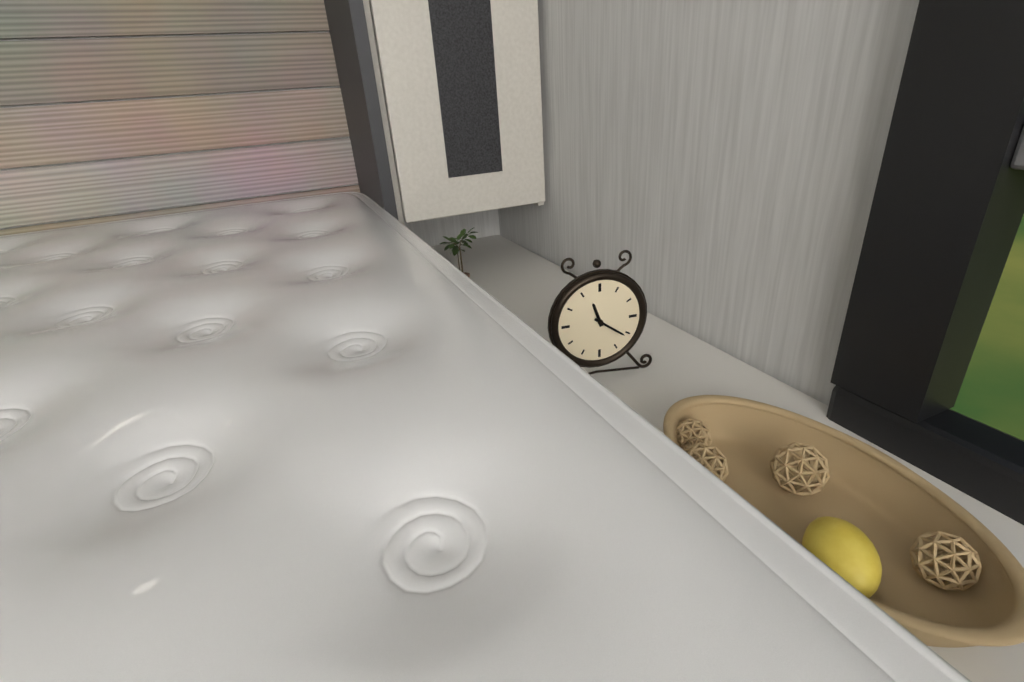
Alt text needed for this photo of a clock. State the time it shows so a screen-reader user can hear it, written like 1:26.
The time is 11:21
